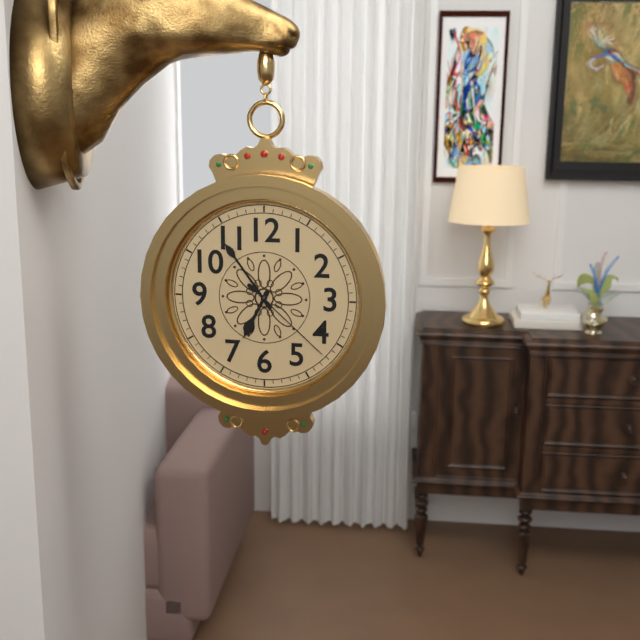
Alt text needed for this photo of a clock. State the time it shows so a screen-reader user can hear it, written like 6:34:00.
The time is 6:54:22
